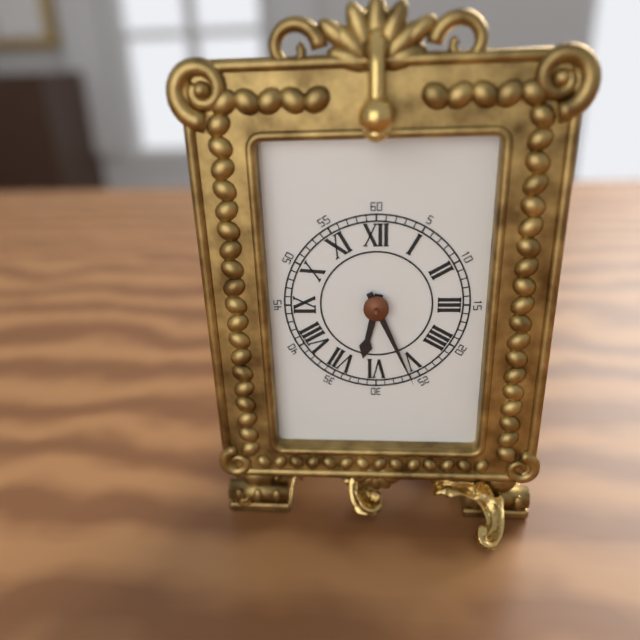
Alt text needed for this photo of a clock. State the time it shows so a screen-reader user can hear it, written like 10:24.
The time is 6:26
